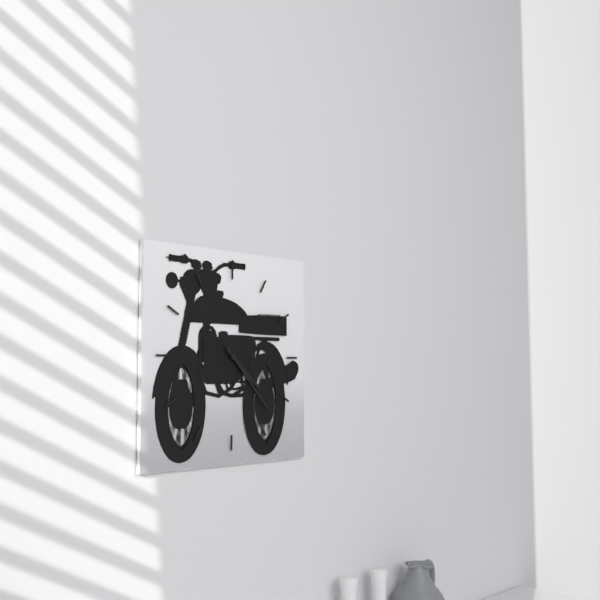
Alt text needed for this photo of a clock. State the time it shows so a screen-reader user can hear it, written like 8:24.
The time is 4:23
